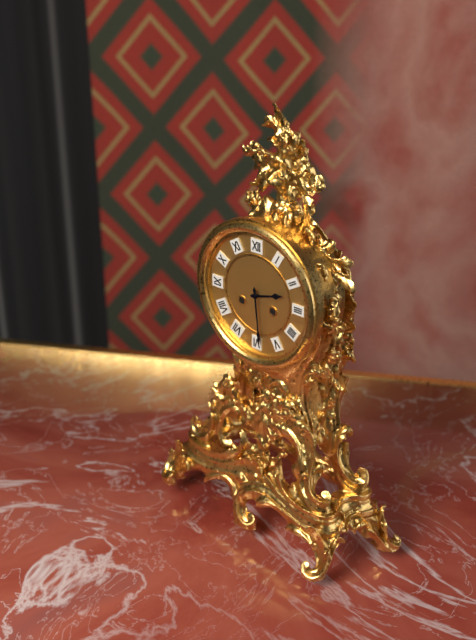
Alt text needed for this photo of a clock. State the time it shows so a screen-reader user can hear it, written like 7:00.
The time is 2:29
